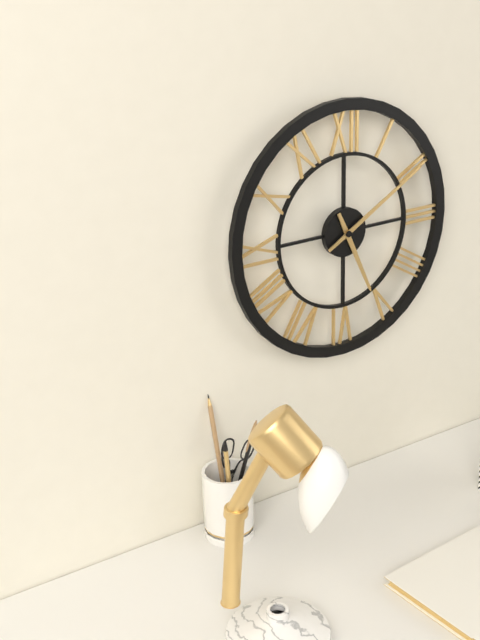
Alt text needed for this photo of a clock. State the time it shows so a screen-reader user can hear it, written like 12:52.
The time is 5:10
